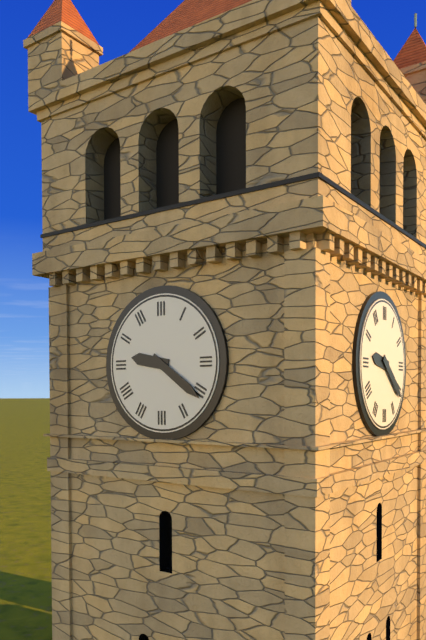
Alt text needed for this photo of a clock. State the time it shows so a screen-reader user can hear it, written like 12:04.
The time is 9:21
